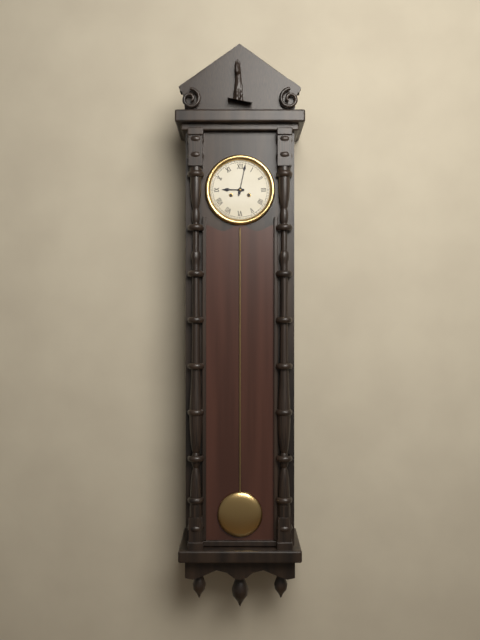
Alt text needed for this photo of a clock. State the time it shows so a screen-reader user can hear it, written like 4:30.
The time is 9:02
